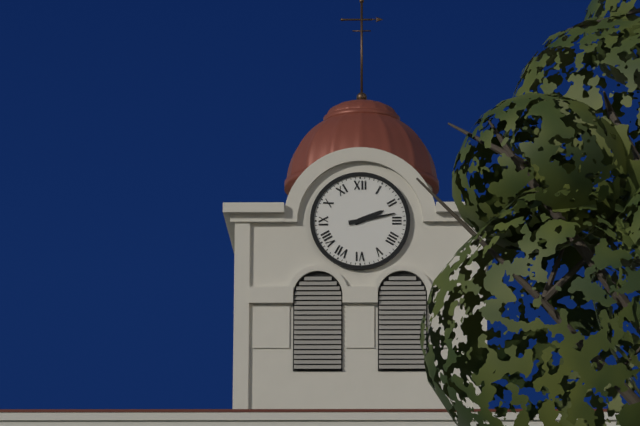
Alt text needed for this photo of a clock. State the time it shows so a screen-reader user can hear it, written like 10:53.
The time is 2:13
